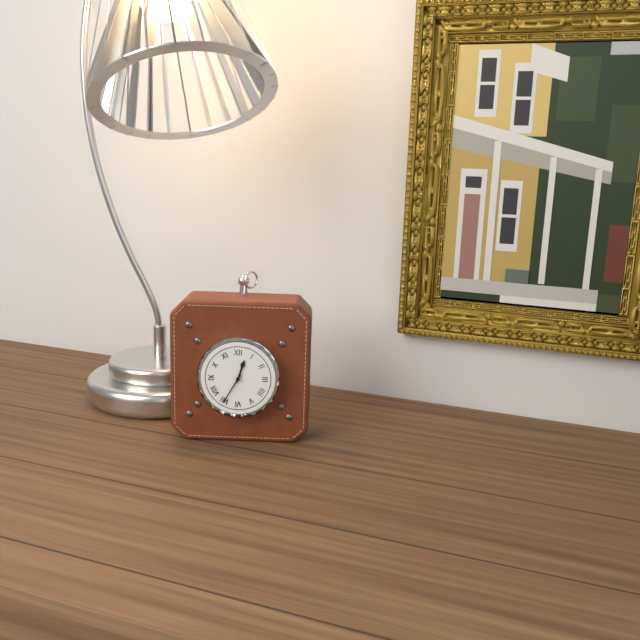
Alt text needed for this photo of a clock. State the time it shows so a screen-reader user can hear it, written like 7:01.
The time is 12:35
